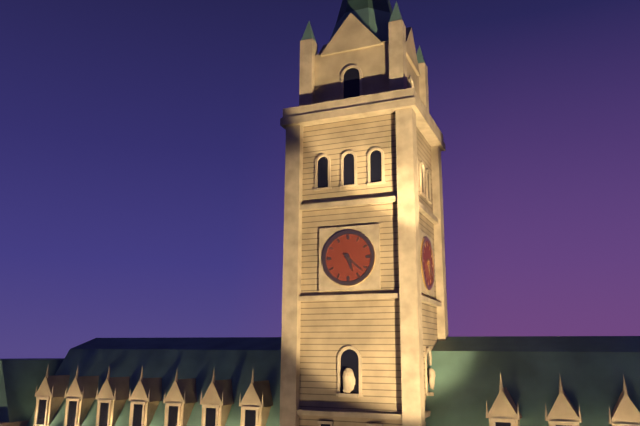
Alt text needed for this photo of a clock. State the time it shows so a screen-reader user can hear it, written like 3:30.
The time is 5:22
